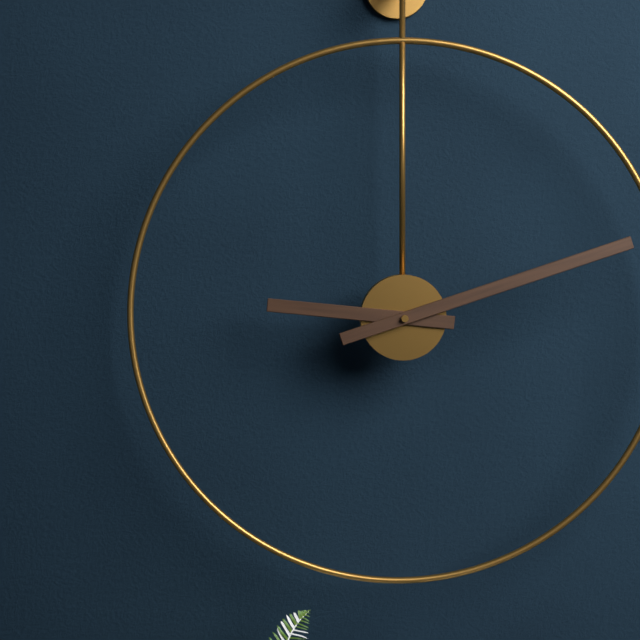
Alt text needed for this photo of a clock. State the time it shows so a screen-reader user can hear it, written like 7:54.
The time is 9:12
